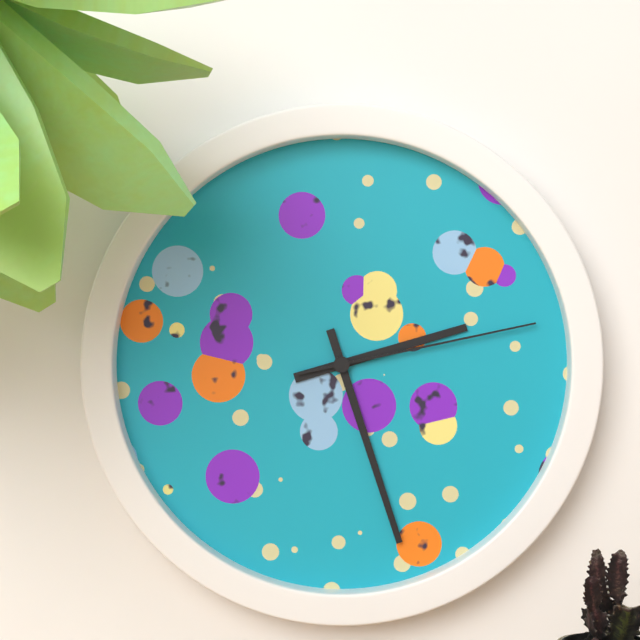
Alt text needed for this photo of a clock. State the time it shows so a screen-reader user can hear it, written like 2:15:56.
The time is 2:27:13
